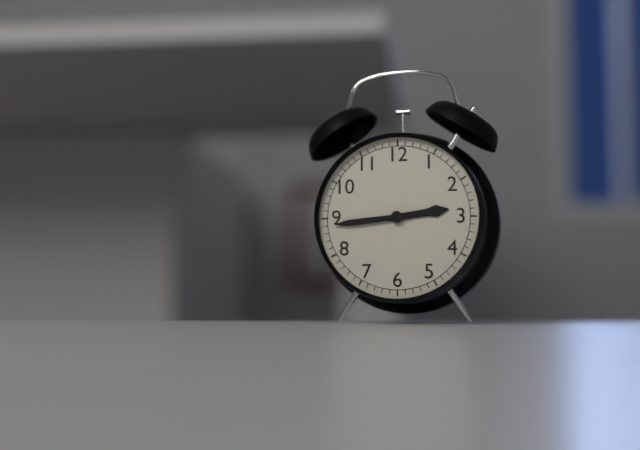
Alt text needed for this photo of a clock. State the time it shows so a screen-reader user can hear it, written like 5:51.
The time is 2:44
